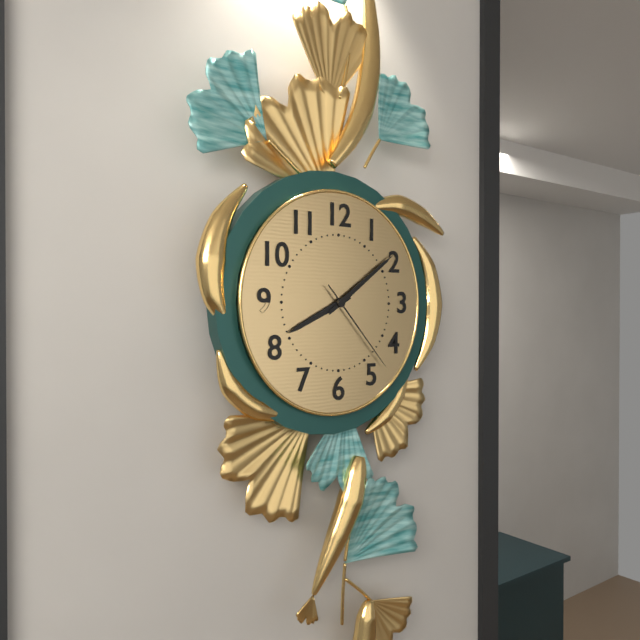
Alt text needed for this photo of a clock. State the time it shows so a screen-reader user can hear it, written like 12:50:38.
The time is 8:09:23
